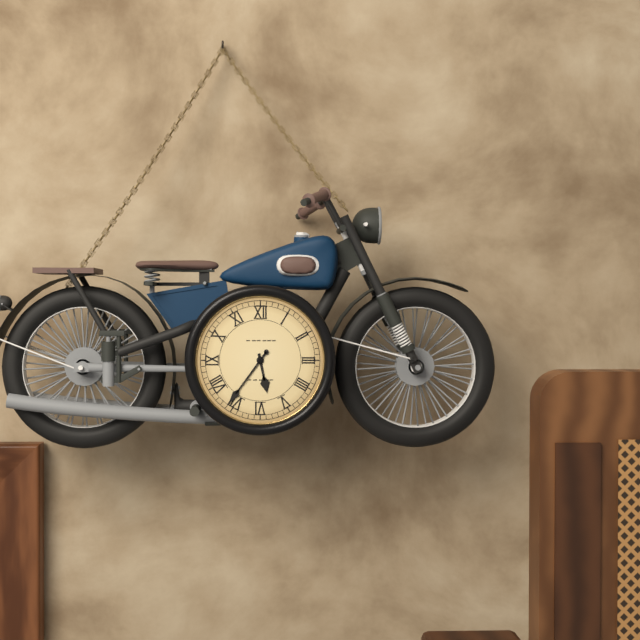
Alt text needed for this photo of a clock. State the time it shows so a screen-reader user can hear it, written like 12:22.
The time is 5:36
